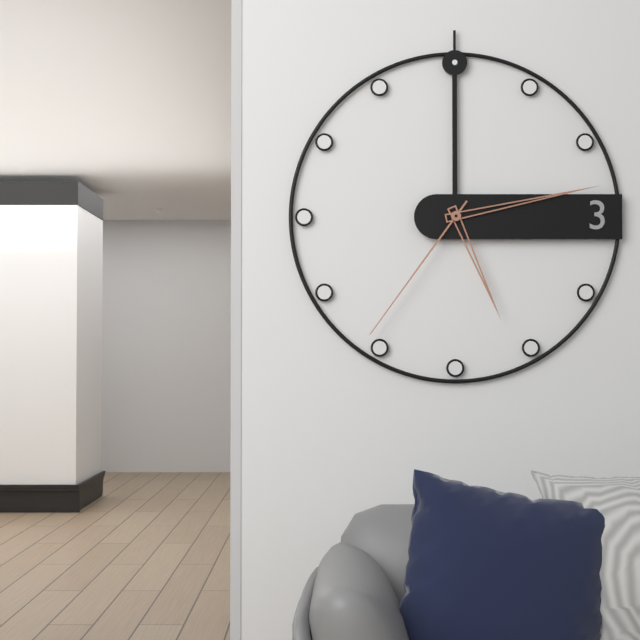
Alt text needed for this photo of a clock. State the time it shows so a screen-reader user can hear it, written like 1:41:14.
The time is 5:13:36
